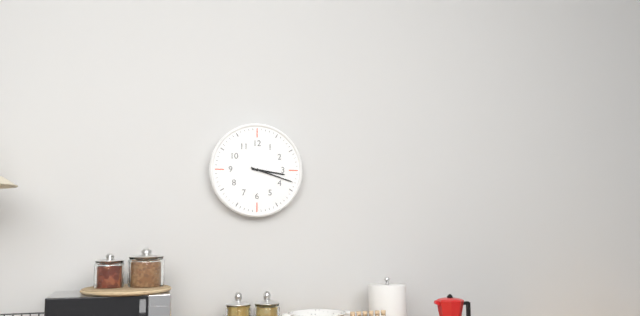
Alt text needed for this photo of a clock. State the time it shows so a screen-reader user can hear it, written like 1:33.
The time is 3:18
